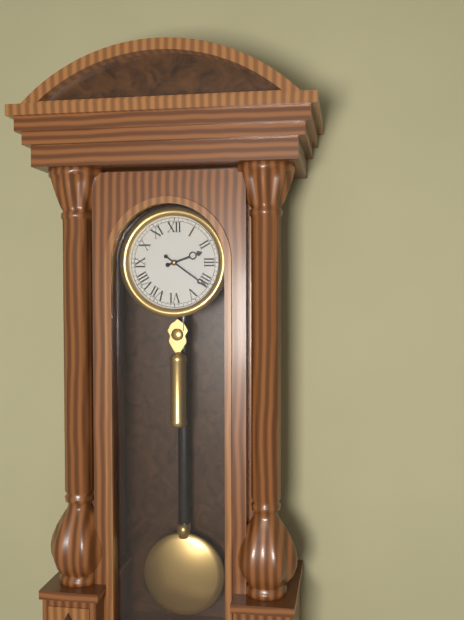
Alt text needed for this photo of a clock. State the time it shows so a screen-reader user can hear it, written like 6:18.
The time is 2:21
